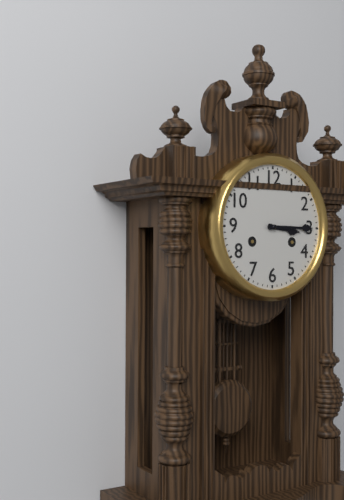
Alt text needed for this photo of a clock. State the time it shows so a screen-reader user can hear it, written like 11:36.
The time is 3:15
